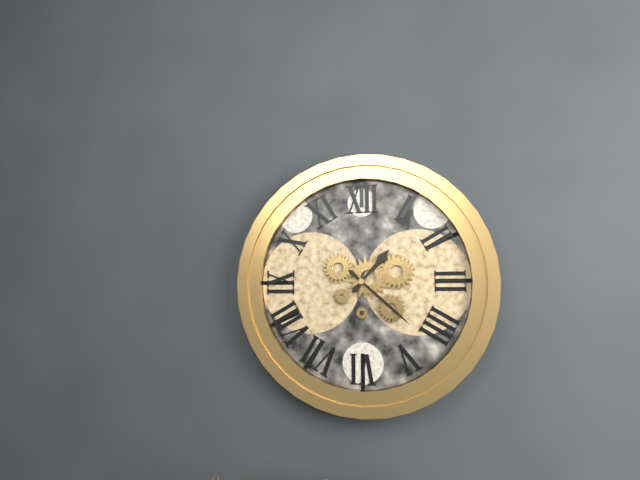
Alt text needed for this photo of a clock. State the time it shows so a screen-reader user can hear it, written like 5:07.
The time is 1:22
